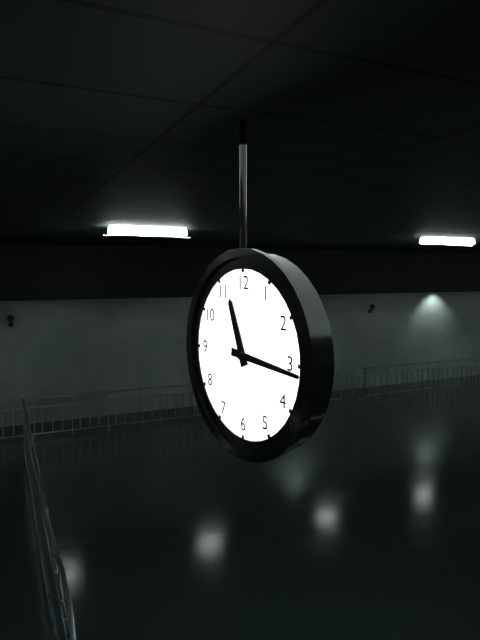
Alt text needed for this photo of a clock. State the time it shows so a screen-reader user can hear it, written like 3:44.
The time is 11:16
